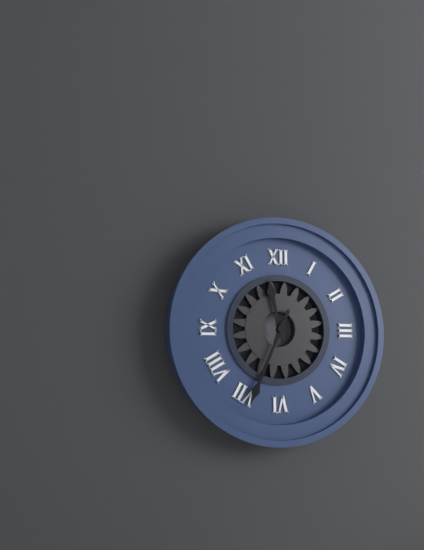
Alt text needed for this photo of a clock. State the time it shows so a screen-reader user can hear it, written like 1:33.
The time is 11:34
